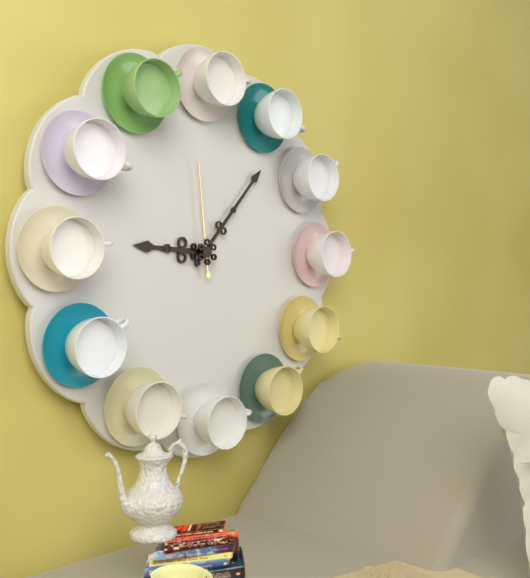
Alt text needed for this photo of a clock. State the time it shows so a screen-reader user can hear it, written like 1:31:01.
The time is 9:07:59
